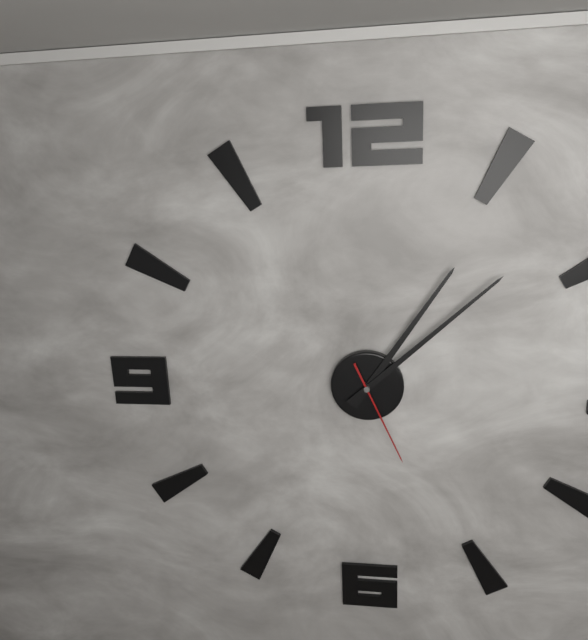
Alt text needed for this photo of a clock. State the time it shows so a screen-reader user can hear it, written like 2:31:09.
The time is 1:08:26
